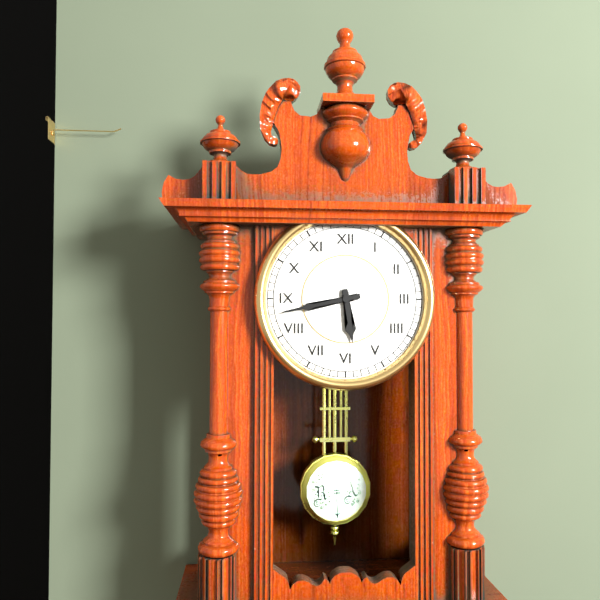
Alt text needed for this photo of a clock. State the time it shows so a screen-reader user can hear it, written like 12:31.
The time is 5:43
